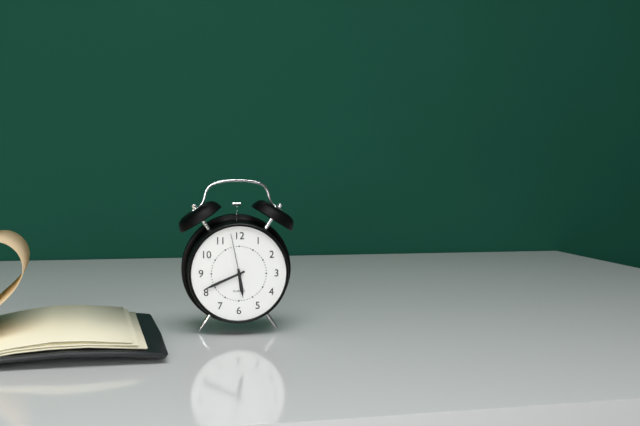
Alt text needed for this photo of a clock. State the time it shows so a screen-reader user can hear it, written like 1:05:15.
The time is 5:41:58
